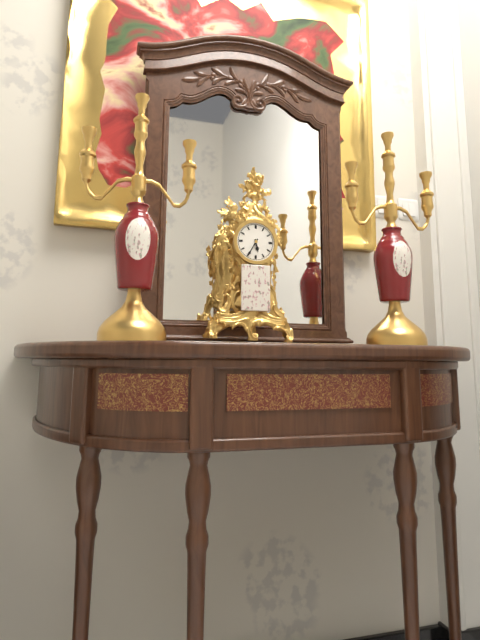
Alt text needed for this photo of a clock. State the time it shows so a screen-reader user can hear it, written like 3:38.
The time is 5:35
